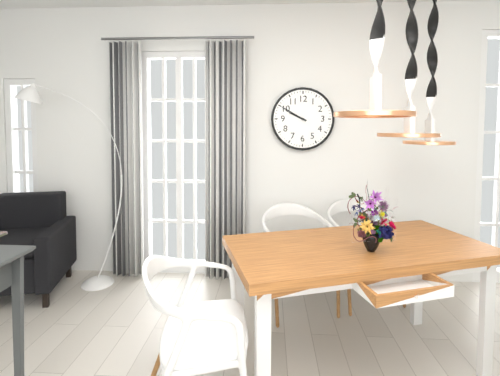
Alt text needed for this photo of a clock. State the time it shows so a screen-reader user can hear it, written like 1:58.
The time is 9:50
